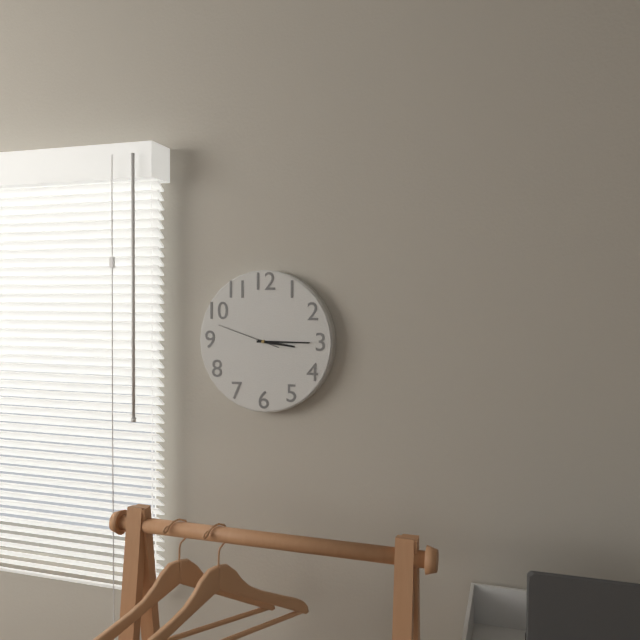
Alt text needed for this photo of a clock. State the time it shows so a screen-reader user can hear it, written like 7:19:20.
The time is 3:15:48
